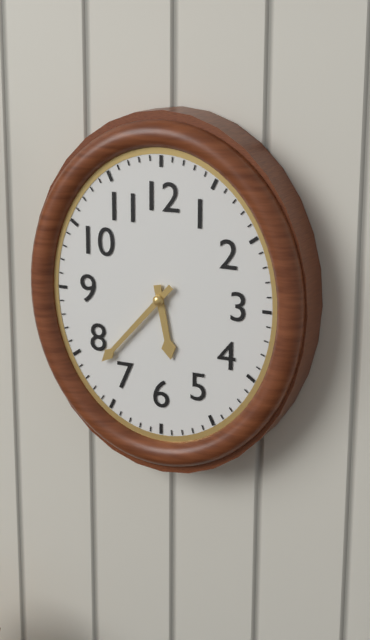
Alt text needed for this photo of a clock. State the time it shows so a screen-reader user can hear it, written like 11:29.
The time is 5:37
